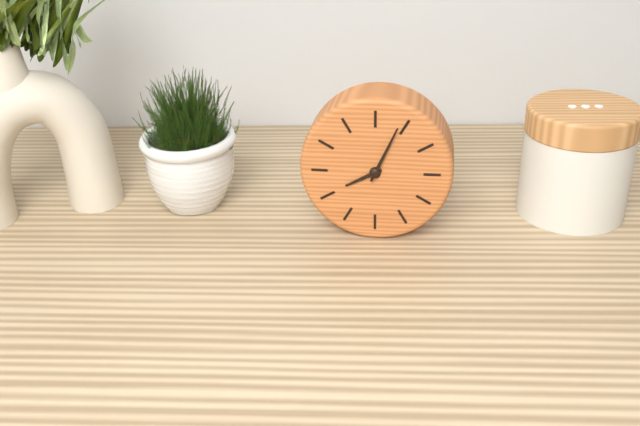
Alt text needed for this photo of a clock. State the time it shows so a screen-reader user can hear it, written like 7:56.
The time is 8:04
